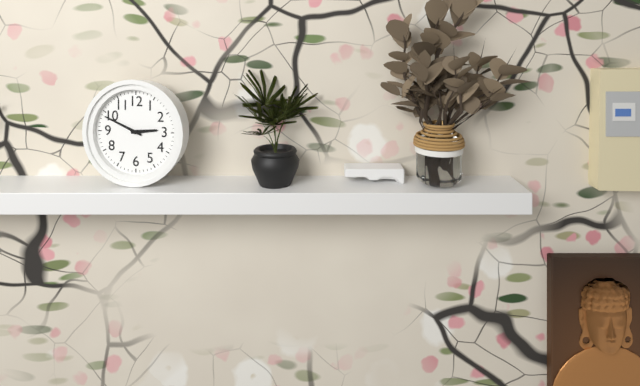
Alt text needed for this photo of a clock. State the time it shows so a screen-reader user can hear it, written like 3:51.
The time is 2:49
